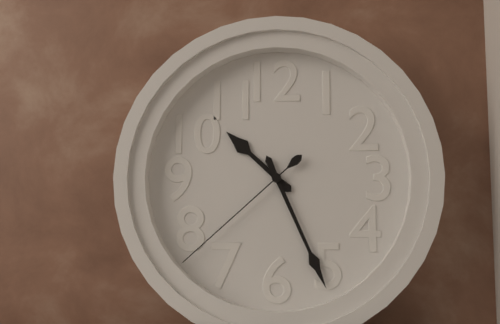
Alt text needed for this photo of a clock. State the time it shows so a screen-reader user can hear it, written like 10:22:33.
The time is 10:26:38
